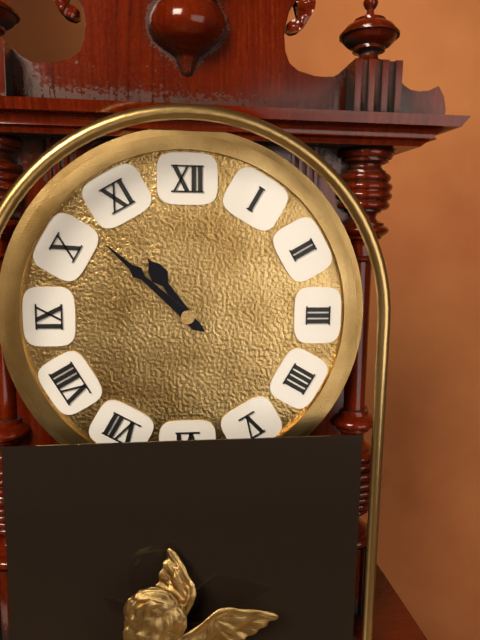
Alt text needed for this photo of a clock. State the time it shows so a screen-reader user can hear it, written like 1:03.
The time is 10:52
